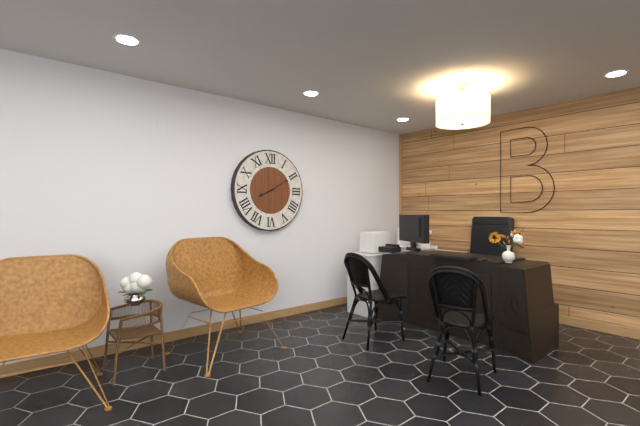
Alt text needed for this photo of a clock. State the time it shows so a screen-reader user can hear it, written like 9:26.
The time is 8:10
